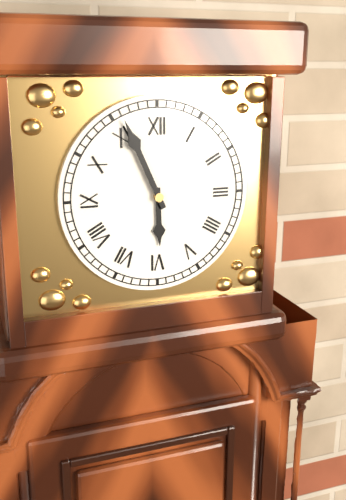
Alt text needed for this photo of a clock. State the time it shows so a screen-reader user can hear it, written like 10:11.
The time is 5:56
